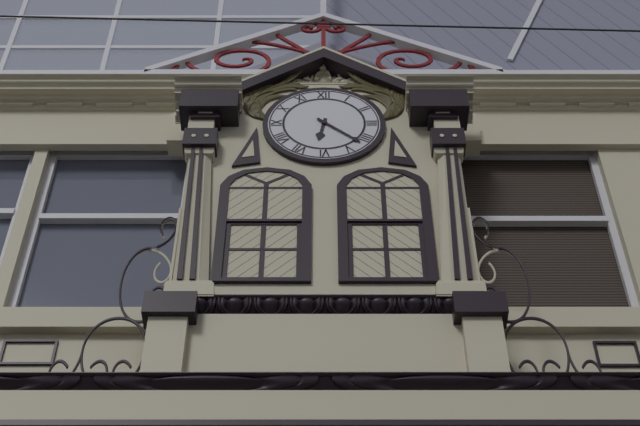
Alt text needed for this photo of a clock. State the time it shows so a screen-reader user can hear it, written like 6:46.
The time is 6:22
